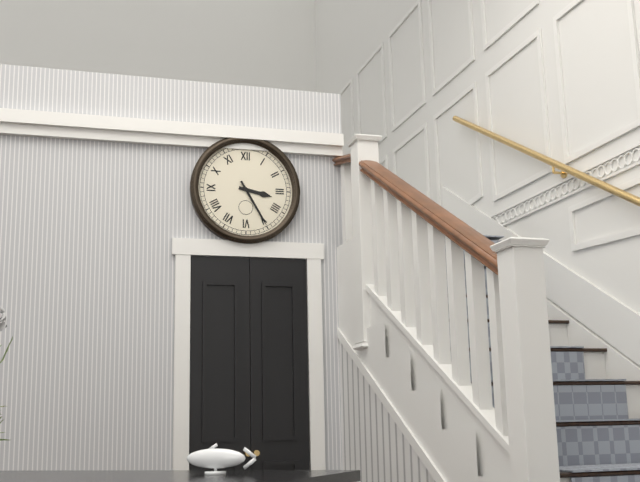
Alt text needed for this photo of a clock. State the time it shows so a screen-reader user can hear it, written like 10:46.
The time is 3:25
